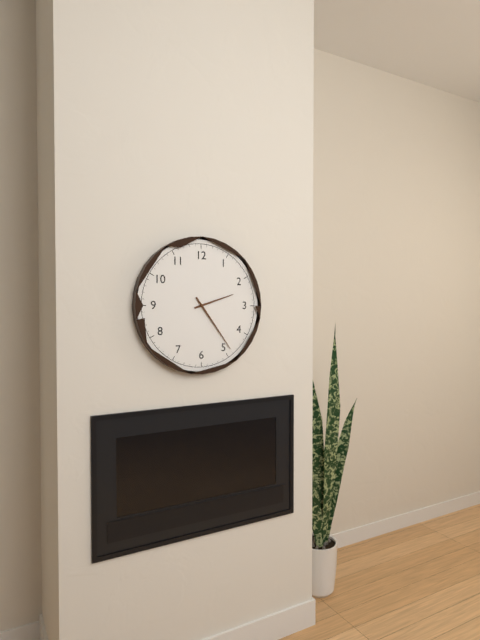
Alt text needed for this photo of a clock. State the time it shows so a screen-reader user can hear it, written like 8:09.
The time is 2:24
